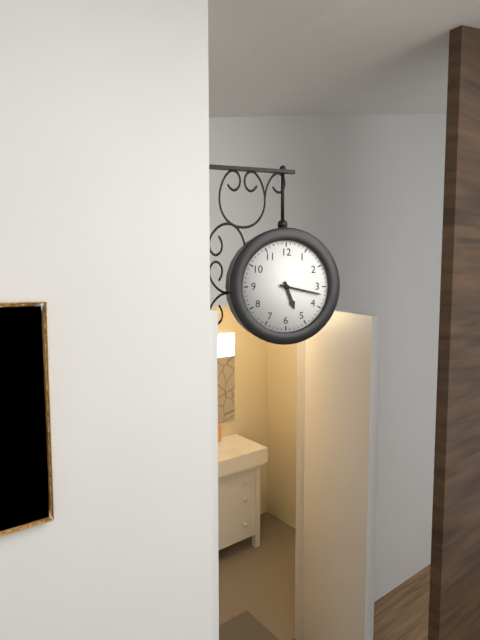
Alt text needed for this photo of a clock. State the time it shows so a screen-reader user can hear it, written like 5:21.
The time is 5:17
